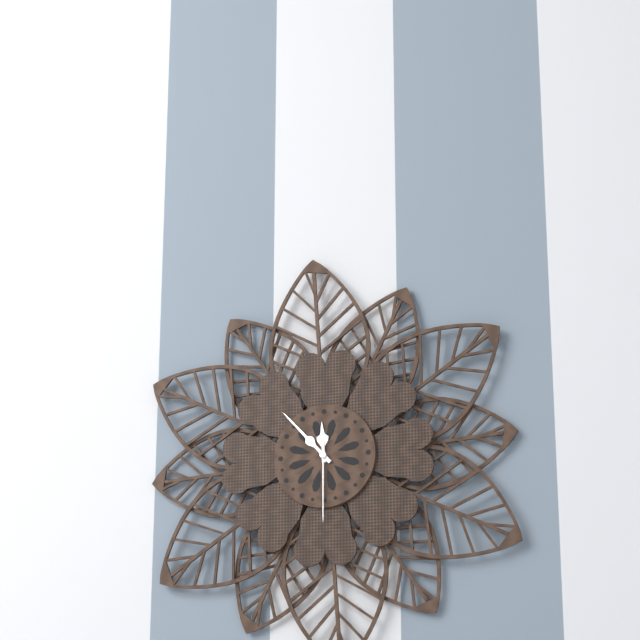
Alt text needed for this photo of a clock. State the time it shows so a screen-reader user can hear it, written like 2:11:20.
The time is 11:53:30
